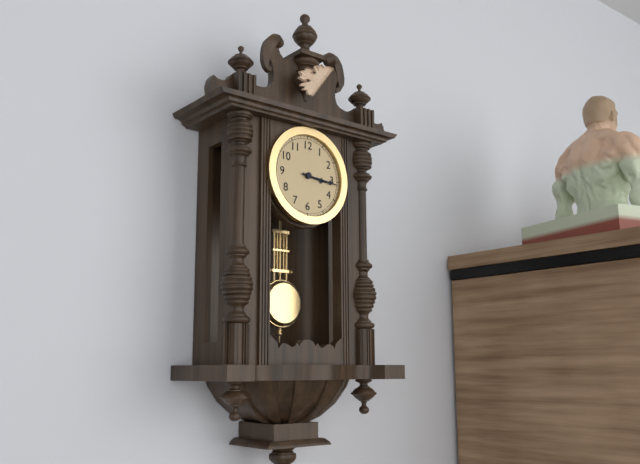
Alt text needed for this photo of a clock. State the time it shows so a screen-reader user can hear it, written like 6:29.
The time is 3:16
